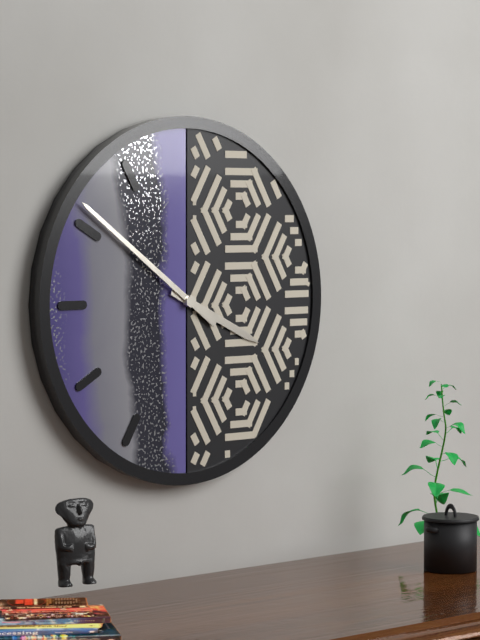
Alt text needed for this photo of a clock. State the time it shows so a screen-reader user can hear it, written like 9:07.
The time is 3:51
